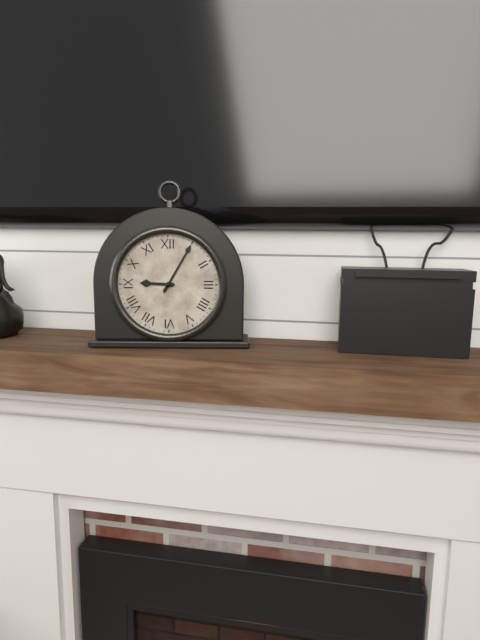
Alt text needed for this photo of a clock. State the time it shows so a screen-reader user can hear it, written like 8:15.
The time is 9:05
